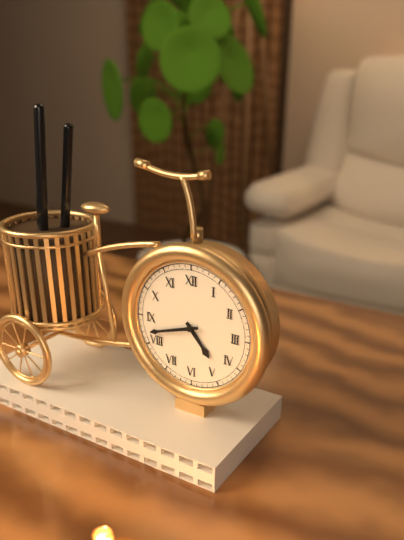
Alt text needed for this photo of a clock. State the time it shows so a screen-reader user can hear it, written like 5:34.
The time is 4:42
